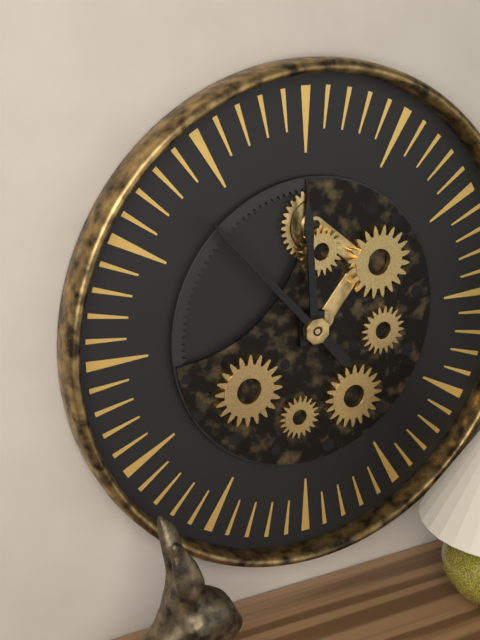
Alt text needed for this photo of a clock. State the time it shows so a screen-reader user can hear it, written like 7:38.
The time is 11:53
